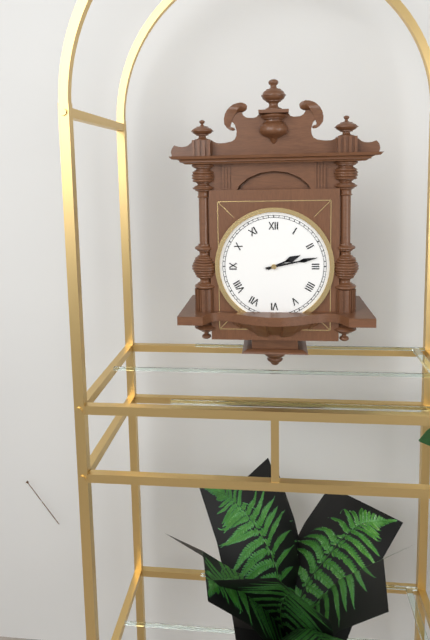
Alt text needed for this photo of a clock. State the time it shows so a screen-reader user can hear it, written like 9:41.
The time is 2:13
